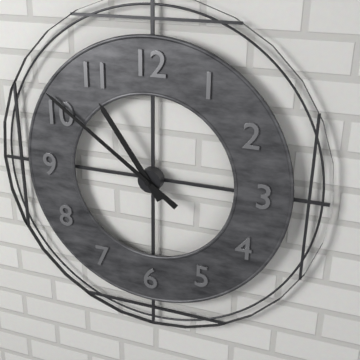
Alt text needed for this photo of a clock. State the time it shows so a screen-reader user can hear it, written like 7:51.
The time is 10:51
